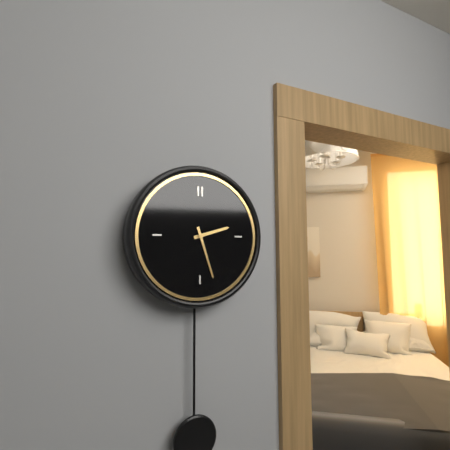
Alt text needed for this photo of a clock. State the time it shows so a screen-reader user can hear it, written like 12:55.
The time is 2:27
